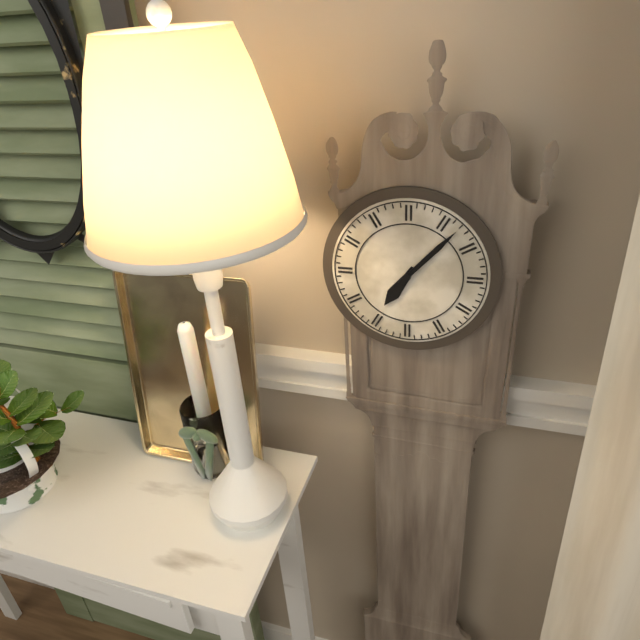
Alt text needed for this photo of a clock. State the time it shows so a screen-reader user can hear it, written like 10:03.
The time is 7:07
